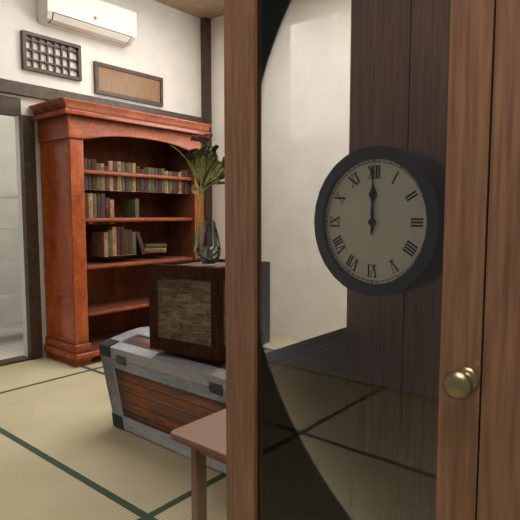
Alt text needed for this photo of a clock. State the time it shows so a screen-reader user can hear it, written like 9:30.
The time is 12:00
